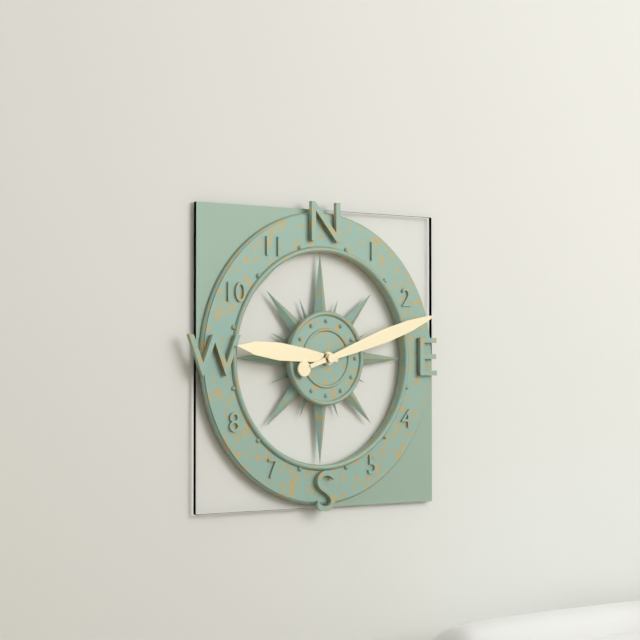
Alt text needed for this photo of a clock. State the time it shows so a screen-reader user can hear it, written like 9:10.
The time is 9:12
